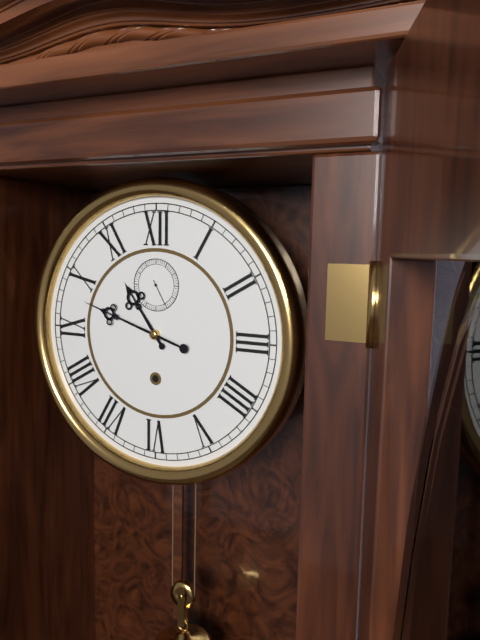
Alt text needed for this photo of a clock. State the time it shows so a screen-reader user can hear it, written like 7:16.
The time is 10:48
